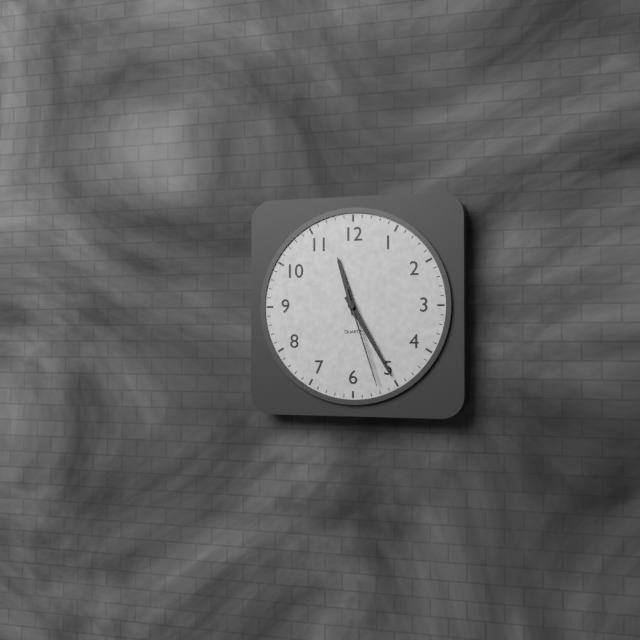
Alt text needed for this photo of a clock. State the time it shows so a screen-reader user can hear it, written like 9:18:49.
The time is 11:25:27
